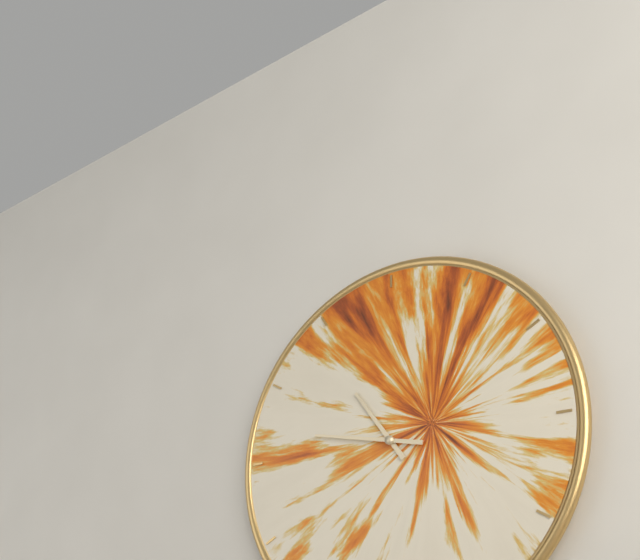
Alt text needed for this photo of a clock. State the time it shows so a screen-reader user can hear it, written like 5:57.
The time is 10:47
